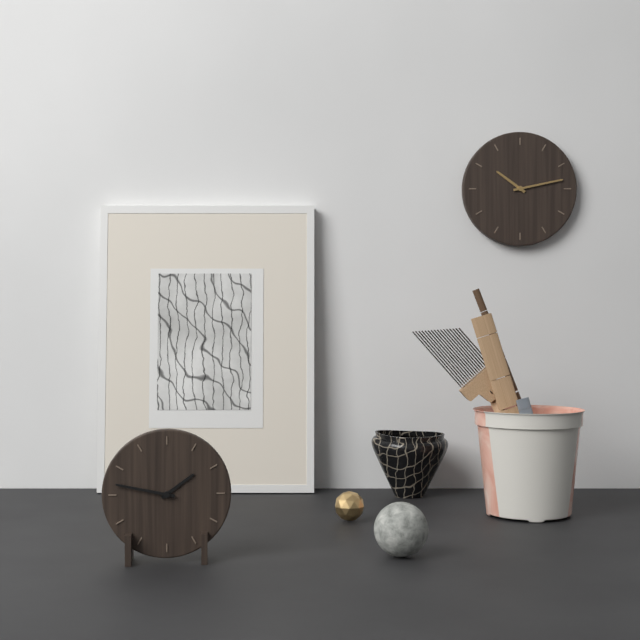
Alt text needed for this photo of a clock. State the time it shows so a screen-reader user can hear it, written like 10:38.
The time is 1:47
